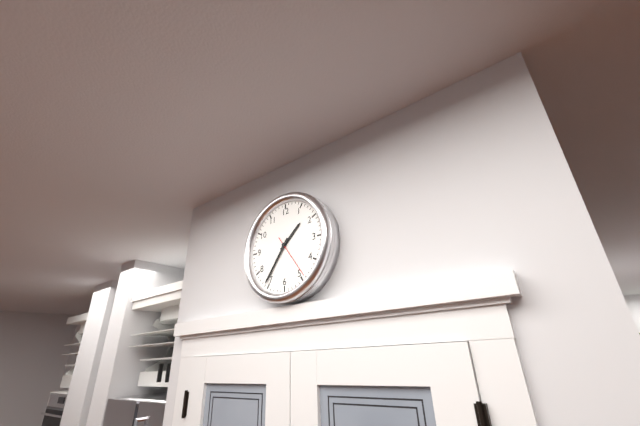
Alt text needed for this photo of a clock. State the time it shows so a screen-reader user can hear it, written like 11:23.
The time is 1:36
